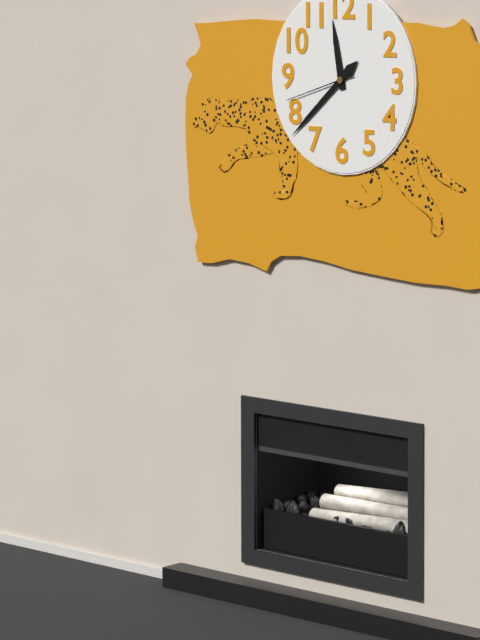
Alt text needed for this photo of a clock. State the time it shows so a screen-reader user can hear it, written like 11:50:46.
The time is 11:38:42
